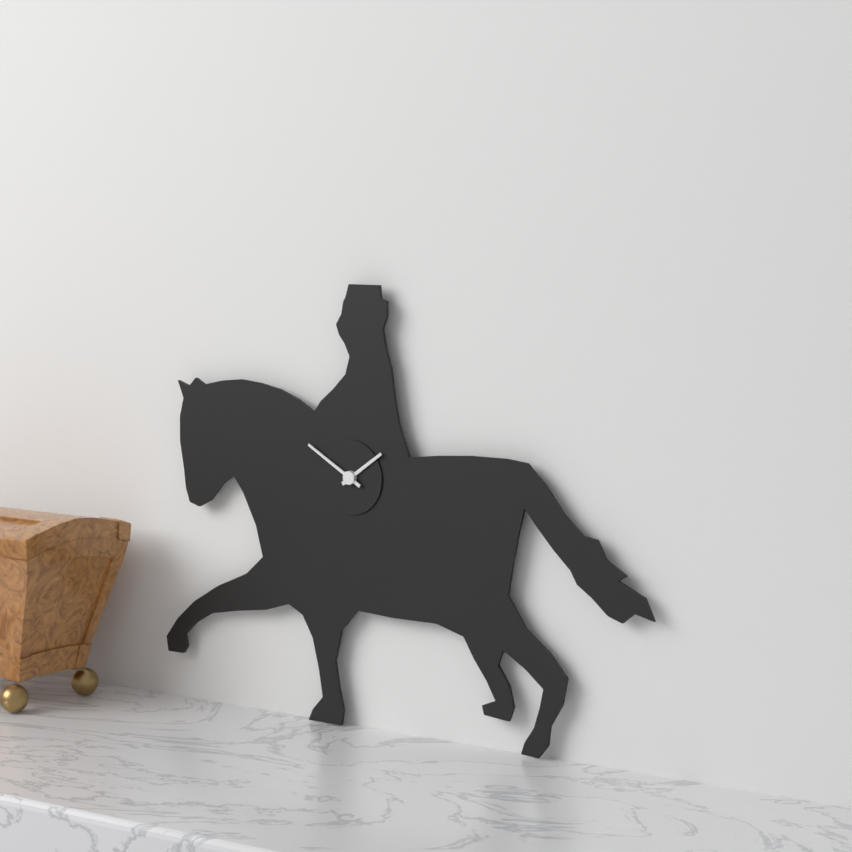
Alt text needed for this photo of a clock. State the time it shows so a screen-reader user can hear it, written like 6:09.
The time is 1:50
